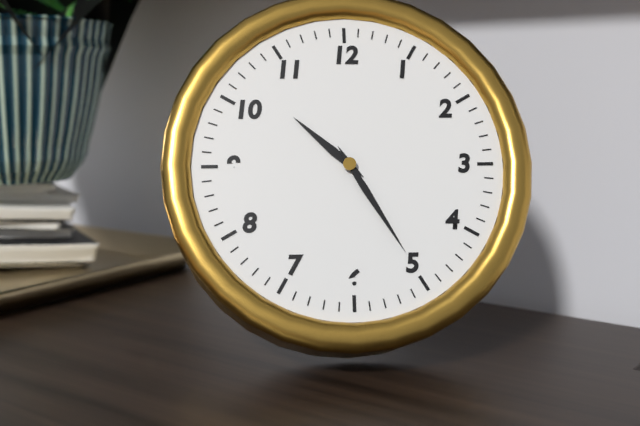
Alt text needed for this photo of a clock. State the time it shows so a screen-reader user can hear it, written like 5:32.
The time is 10:25
